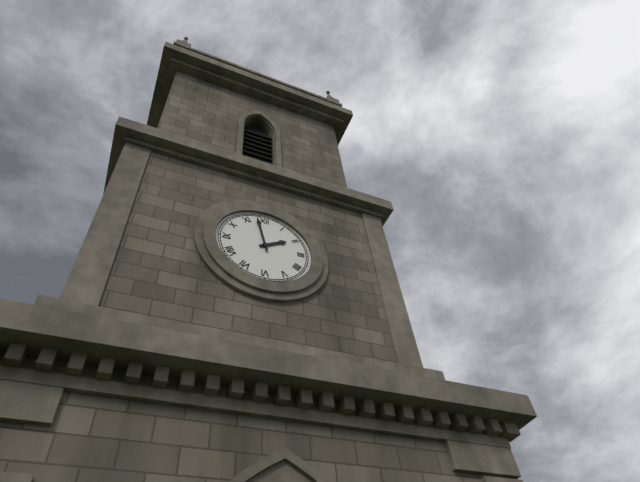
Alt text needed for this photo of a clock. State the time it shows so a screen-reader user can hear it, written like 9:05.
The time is 1:58
